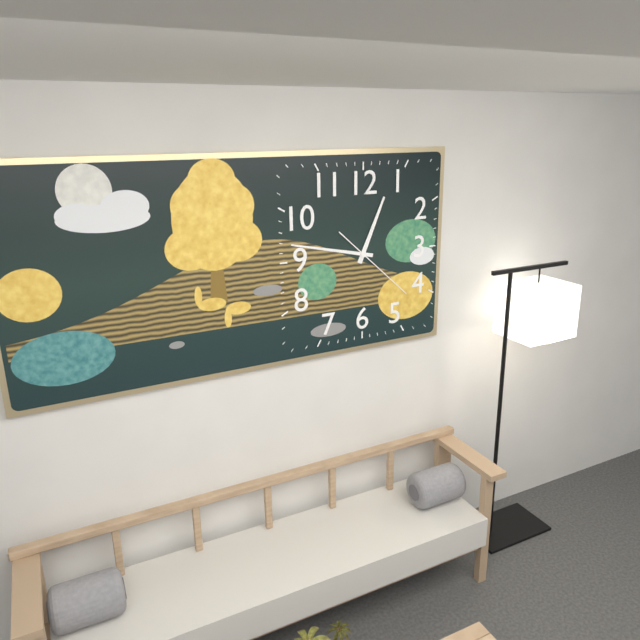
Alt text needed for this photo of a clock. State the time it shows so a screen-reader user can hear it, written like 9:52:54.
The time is 12:47:22
